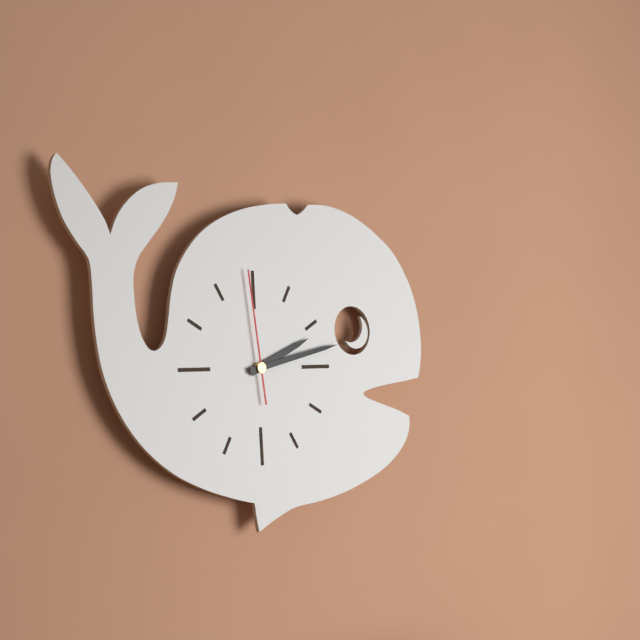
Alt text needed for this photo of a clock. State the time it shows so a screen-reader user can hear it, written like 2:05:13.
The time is 2:13:59
